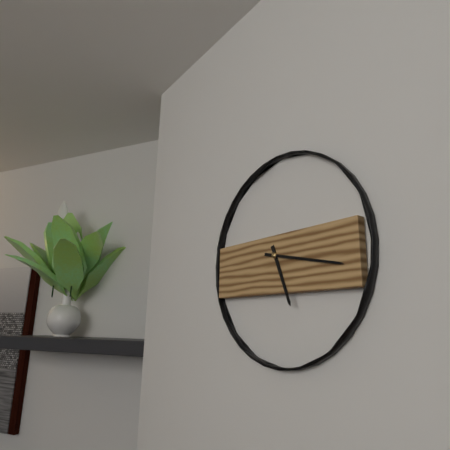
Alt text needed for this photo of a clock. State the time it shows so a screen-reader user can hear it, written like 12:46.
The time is 5:17
